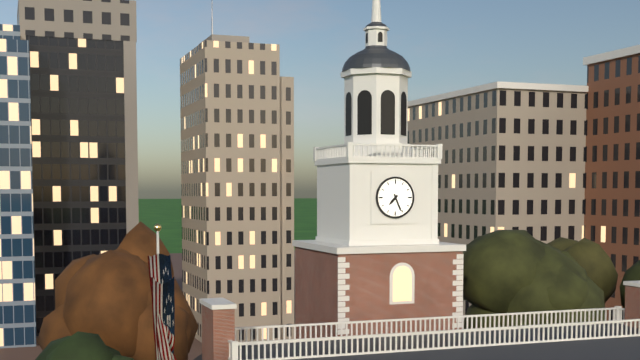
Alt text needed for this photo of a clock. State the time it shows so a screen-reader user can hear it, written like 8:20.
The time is 7:26
